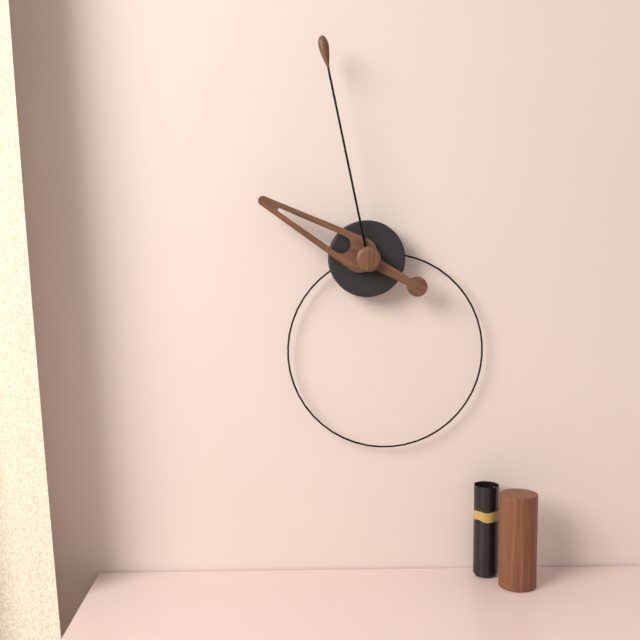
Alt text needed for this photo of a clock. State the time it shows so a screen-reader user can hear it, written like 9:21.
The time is 9:58
